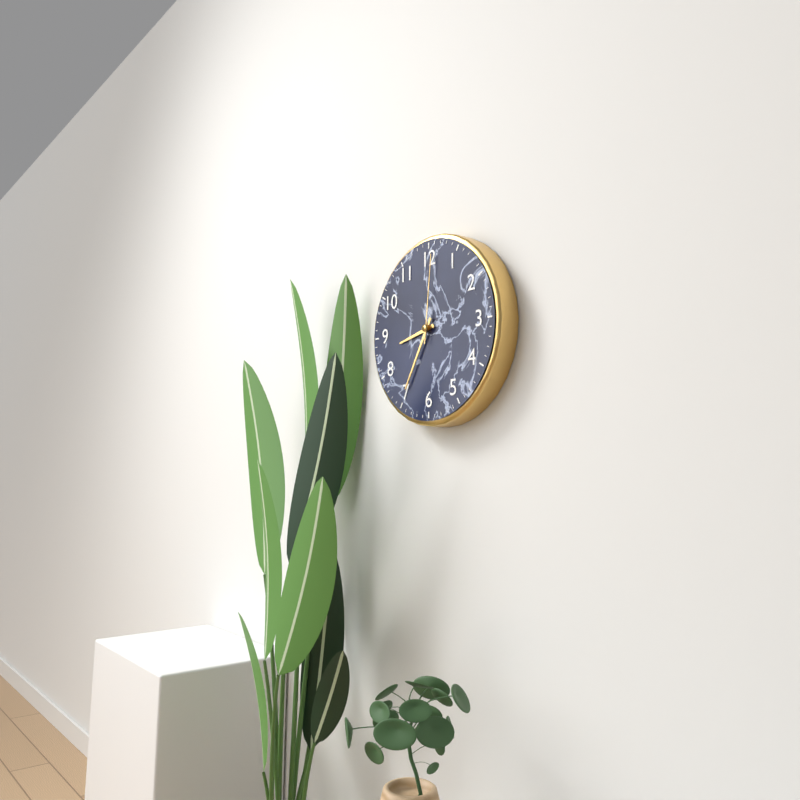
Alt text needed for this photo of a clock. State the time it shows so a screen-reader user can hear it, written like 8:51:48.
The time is 8:35:01
